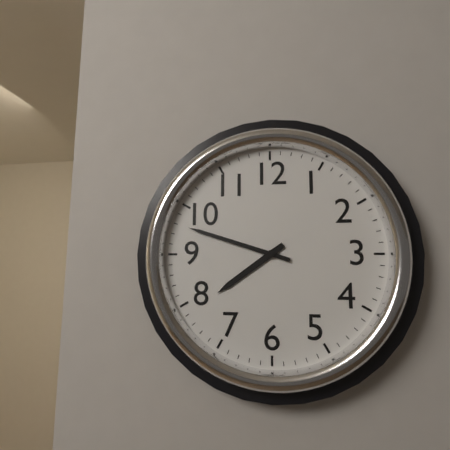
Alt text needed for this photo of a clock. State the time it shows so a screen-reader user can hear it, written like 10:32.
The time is 7:48
